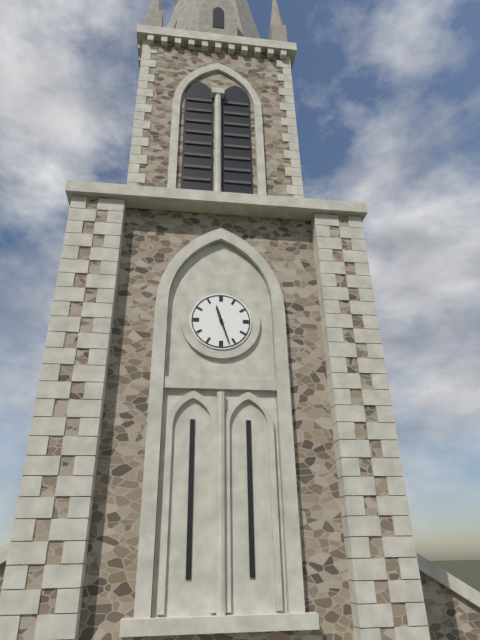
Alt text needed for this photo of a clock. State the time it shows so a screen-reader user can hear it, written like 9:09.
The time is 11:27
